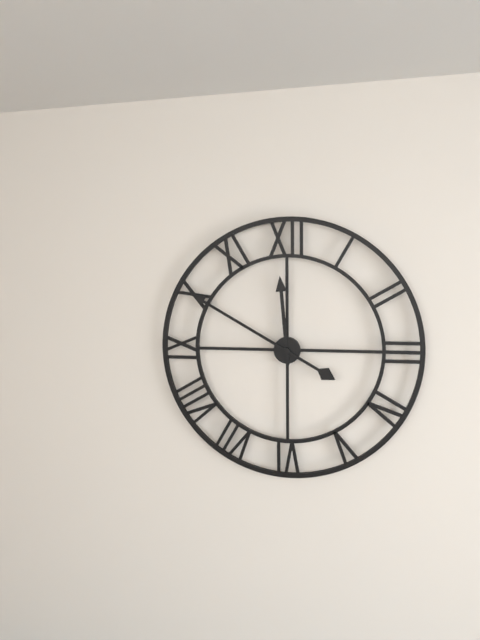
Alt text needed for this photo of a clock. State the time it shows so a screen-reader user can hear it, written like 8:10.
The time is 11:50
